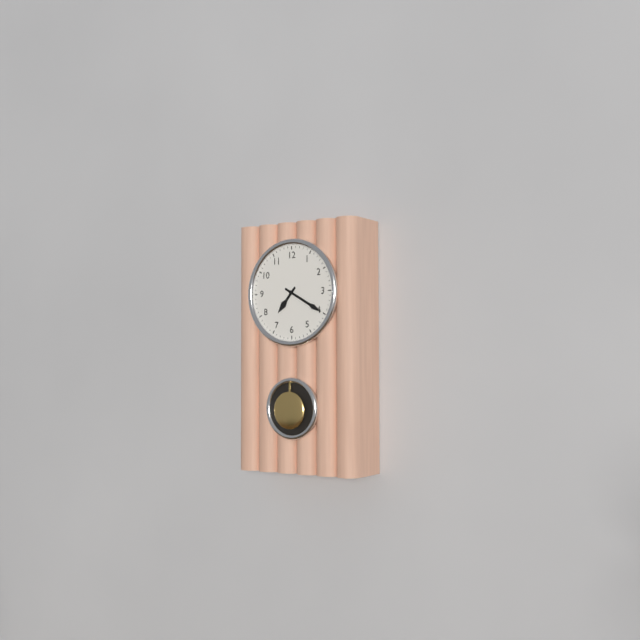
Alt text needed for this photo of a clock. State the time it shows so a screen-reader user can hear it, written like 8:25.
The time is 7:20
